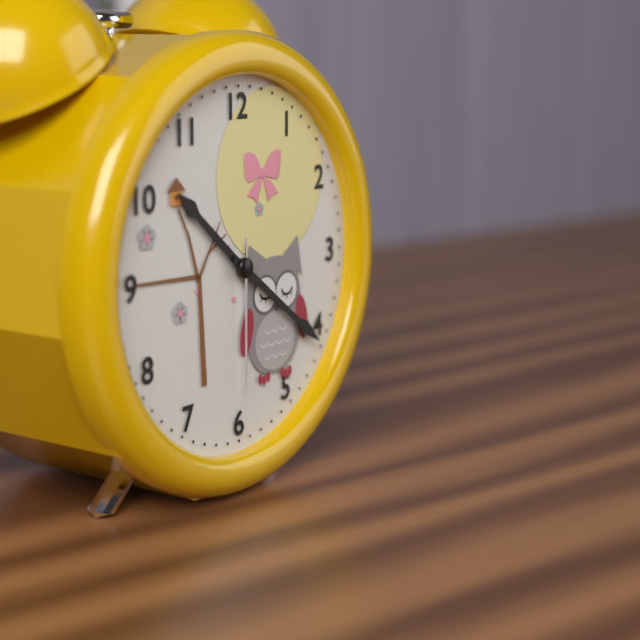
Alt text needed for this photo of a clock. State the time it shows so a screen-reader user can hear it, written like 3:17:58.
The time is 10:21:30
